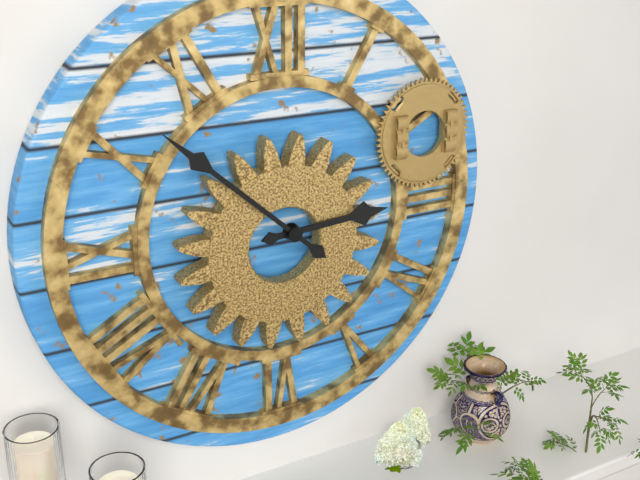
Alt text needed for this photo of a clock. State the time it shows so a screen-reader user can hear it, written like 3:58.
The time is 2:52
